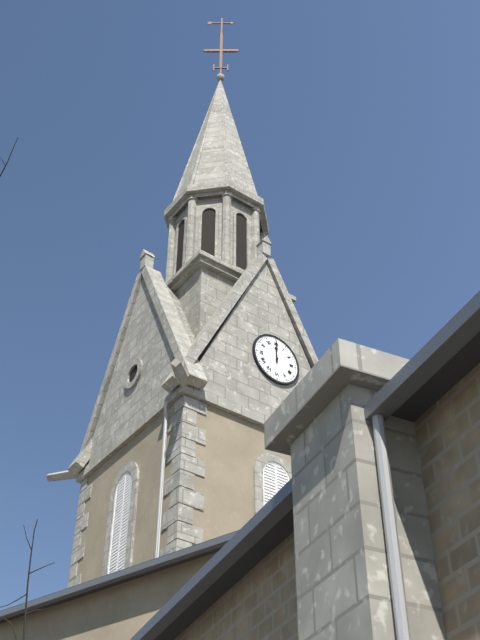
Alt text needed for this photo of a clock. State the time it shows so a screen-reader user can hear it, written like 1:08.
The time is 12:00
